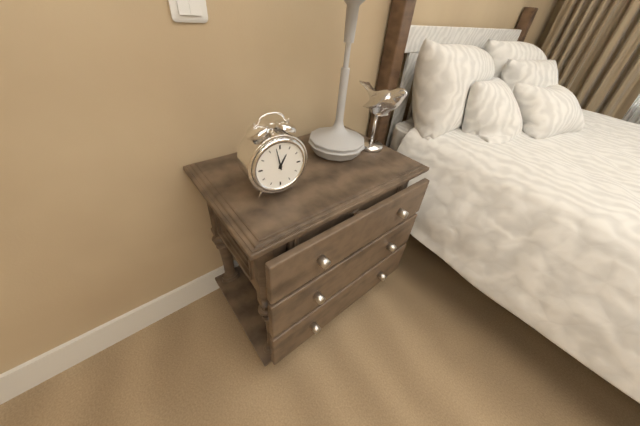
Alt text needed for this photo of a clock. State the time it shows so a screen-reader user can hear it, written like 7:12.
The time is 12:58
